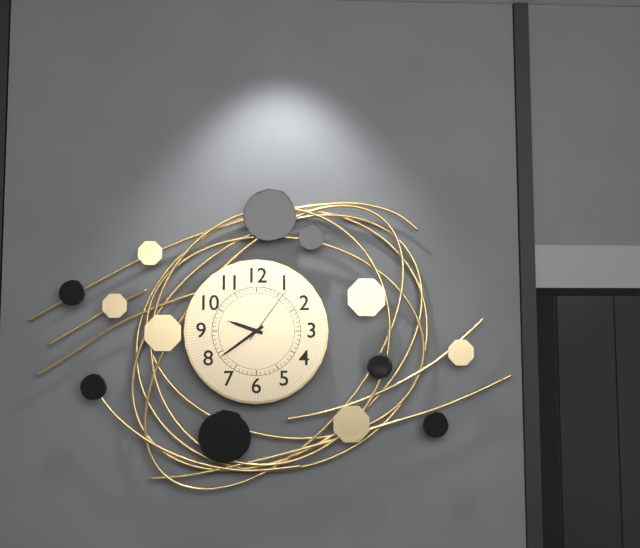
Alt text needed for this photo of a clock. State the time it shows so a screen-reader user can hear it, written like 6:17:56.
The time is 9:39:06
